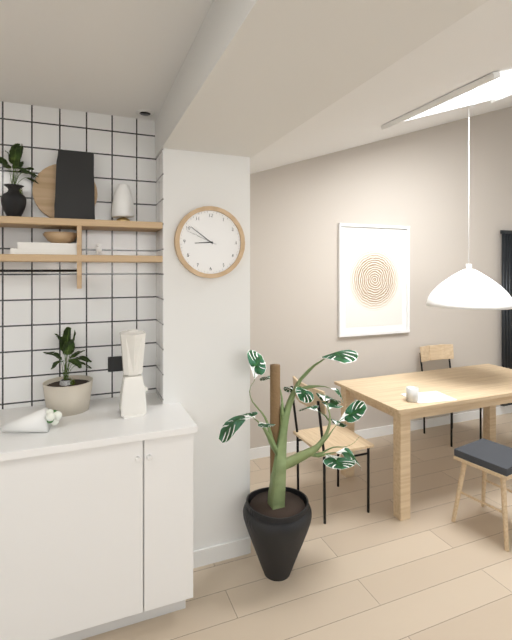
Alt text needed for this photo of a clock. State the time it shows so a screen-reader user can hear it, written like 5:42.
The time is 8:51
